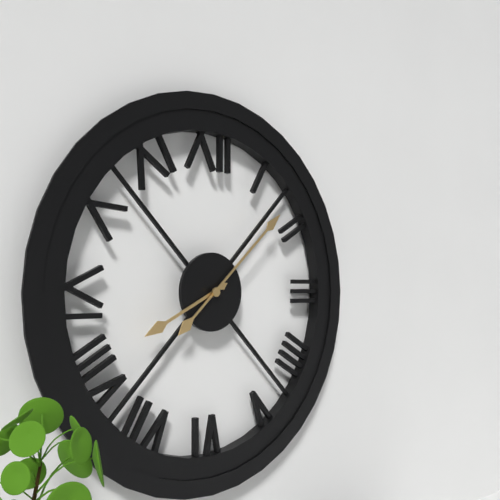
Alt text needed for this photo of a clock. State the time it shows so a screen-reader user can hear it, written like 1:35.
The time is 8:08
